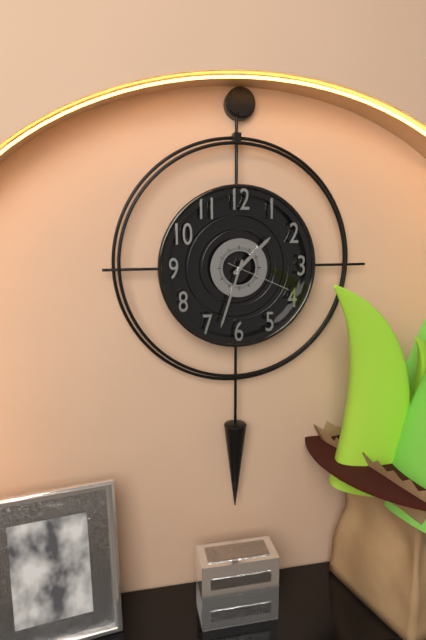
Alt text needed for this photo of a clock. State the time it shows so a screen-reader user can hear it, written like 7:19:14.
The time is 1:33:19
